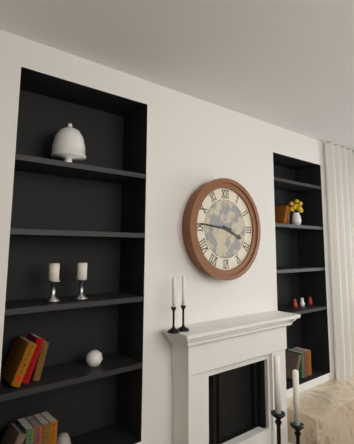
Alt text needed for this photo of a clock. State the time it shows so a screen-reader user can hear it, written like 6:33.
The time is 3:46
